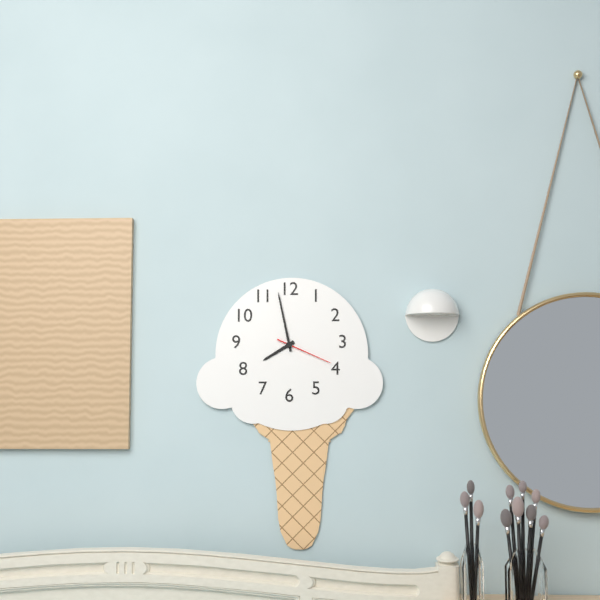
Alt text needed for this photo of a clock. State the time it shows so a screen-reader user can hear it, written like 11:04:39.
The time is 7:58:19
